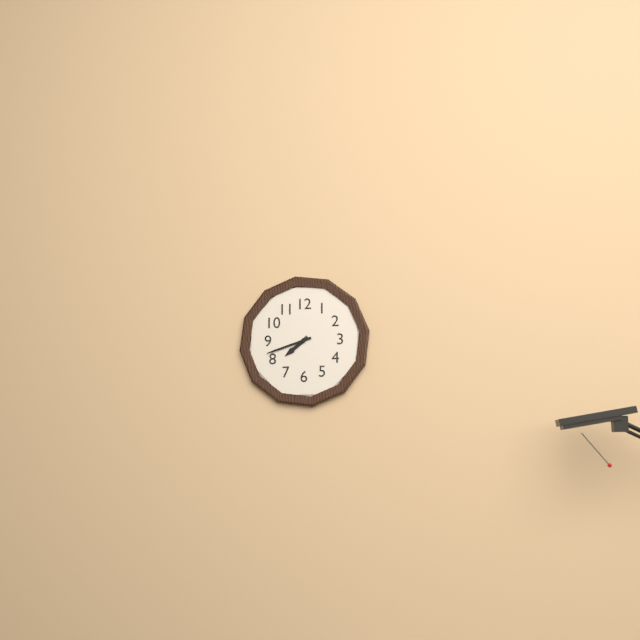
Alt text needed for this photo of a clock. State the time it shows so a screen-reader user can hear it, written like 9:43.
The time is 7:42
